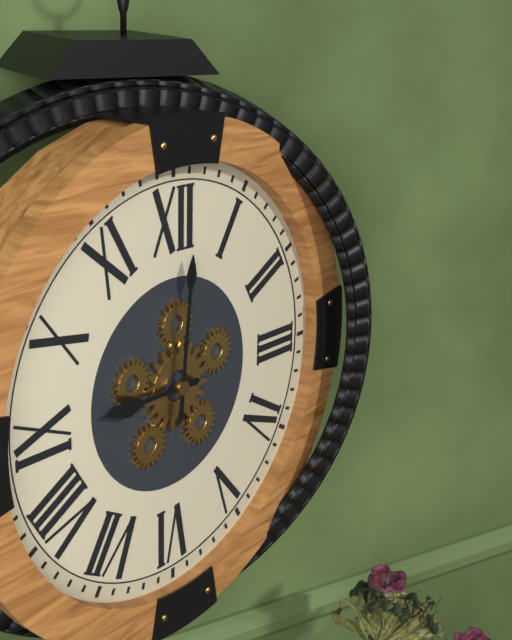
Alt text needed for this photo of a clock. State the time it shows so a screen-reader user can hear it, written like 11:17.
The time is 9:01
